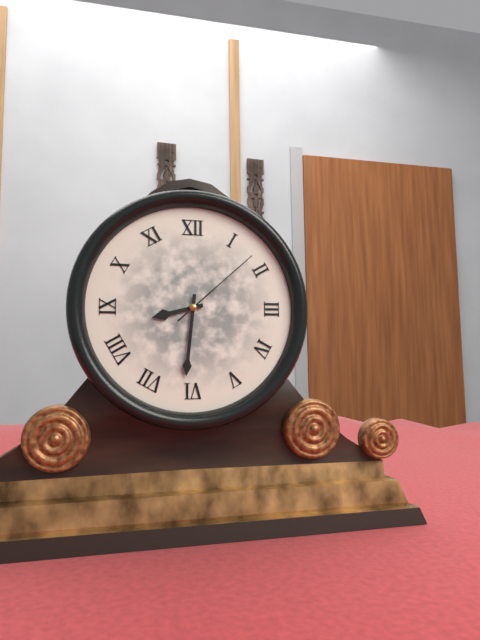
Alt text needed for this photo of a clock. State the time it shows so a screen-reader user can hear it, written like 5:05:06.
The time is 8:31:08
